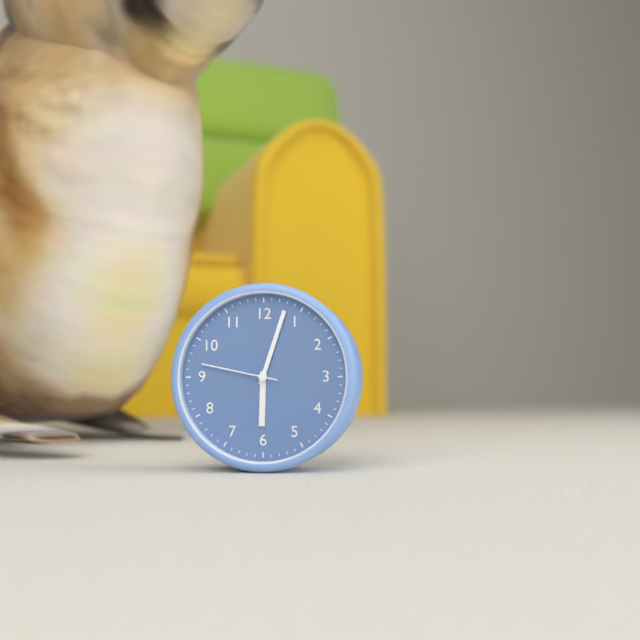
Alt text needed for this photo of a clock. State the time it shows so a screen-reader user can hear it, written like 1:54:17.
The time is 6:03:47
